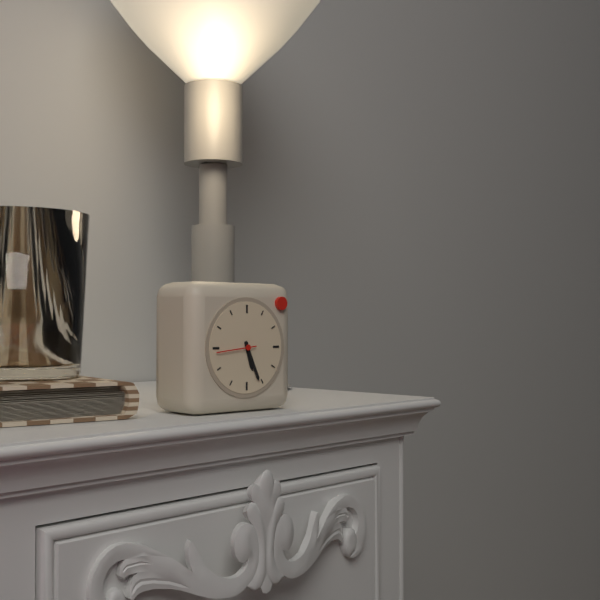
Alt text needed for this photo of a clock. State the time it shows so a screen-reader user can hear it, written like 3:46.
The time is 5:26
